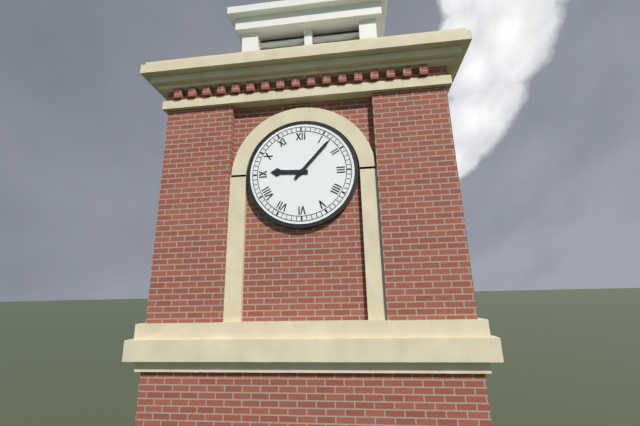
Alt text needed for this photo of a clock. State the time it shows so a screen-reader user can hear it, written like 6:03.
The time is 9:07
